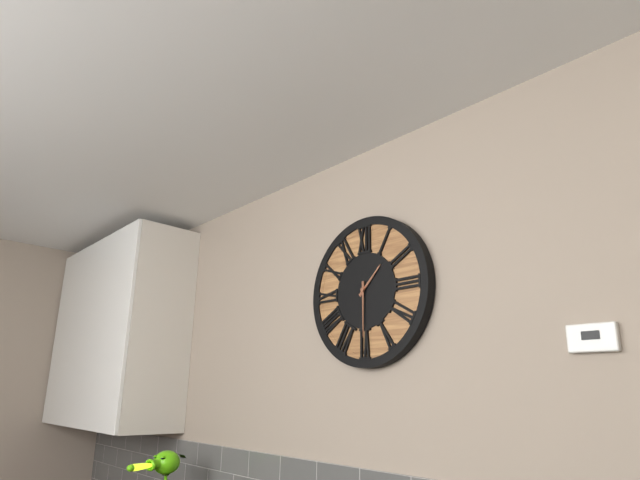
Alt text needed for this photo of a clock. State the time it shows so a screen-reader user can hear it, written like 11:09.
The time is 1:30
